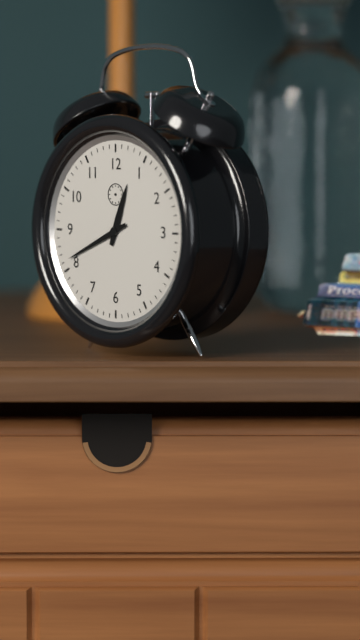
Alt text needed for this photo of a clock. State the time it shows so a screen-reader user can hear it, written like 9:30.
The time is 12:41
